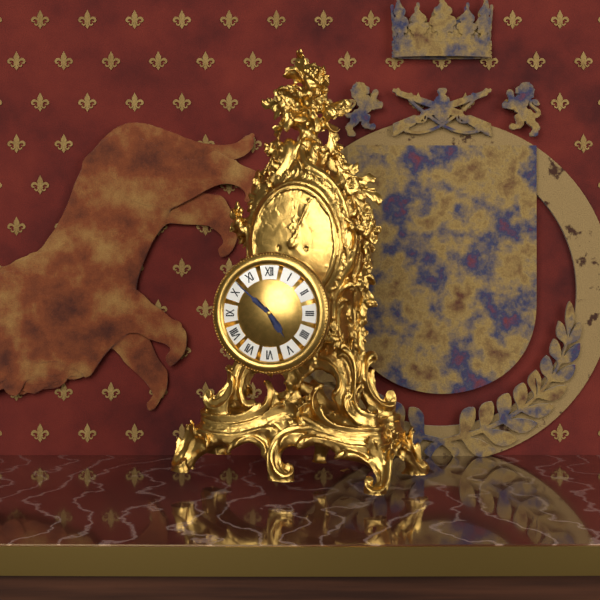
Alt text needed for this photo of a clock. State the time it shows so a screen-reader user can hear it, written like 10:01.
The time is 4:52
